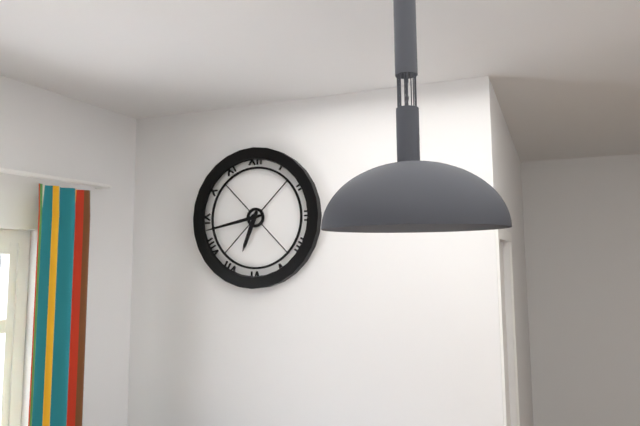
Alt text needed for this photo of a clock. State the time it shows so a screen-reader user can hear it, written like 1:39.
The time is 6:43
